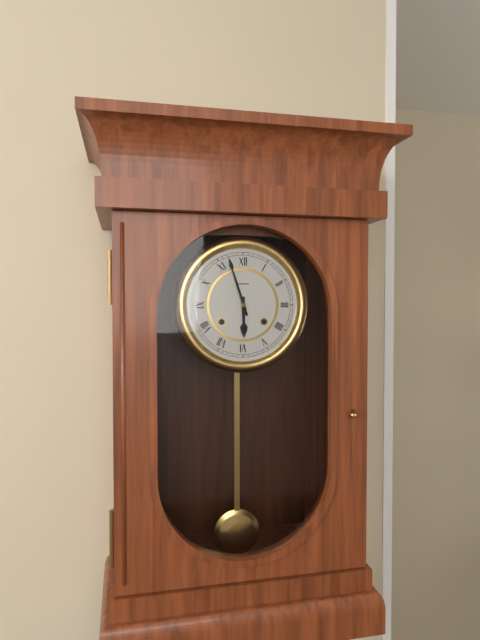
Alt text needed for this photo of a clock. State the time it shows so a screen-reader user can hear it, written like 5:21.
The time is 5:57
